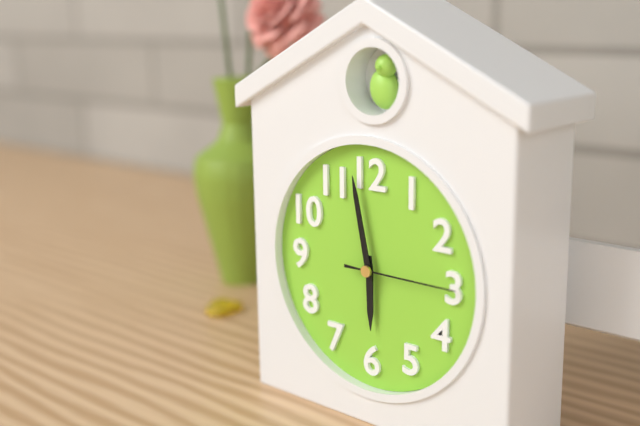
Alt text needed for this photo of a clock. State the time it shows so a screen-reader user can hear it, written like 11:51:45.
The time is 5:58:15
